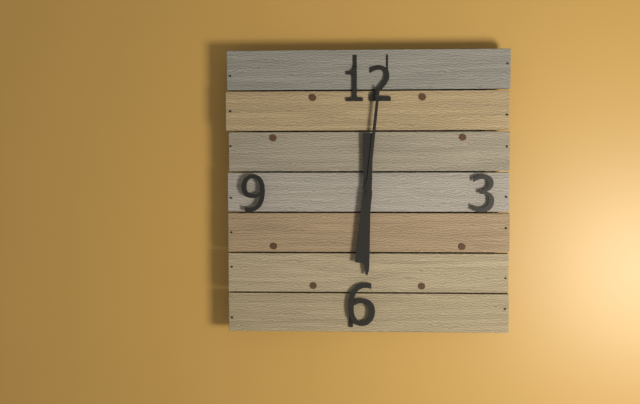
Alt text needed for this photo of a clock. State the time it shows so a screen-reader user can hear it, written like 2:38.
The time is 6:01
